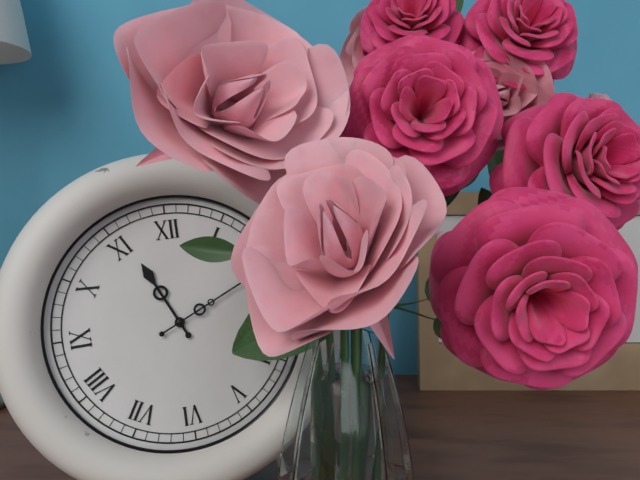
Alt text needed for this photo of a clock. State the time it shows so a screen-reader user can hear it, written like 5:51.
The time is 11:11
